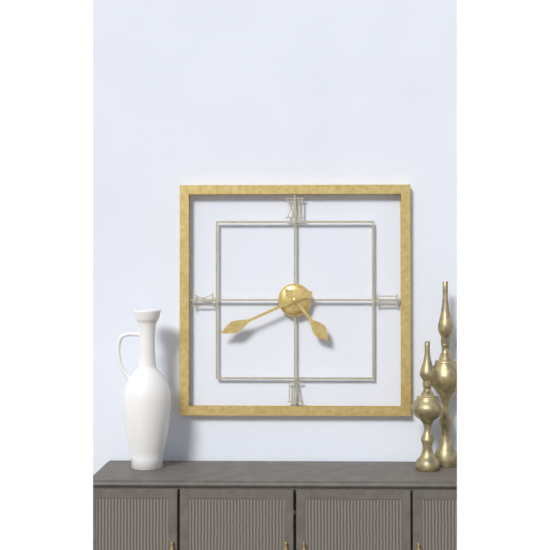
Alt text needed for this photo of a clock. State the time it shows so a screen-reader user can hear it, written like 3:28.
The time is 4:41
